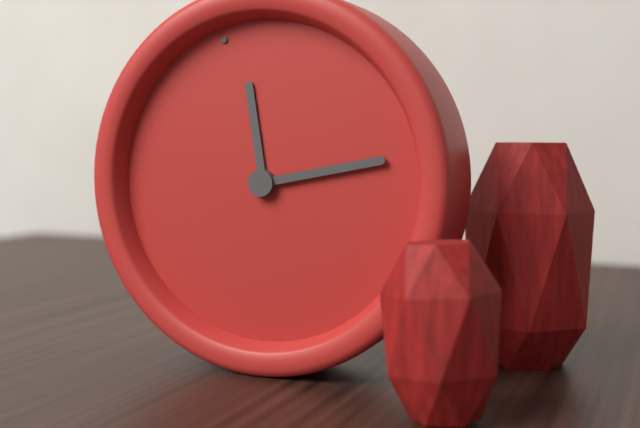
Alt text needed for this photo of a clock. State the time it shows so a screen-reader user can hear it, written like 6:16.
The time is 12:16
